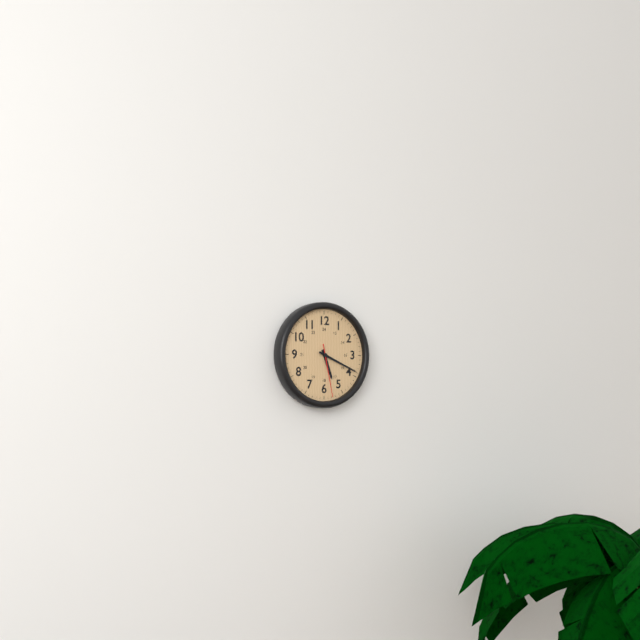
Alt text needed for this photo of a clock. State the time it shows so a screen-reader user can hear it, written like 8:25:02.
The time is 5:19:28
